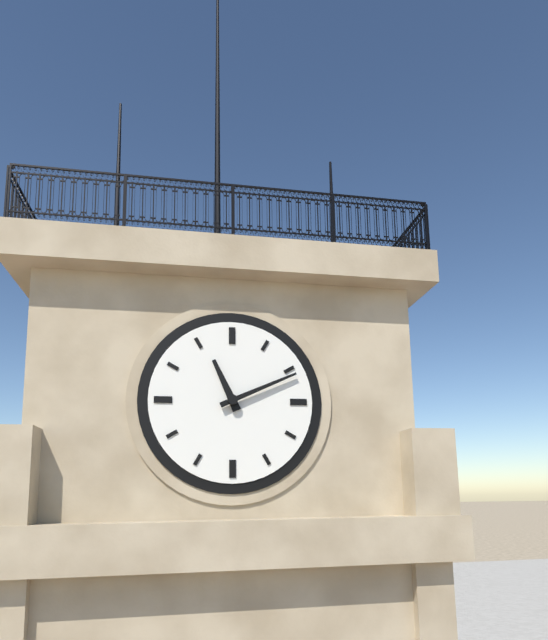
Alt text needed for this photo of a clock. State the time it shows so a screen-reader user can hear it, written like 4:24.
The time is 11:11
